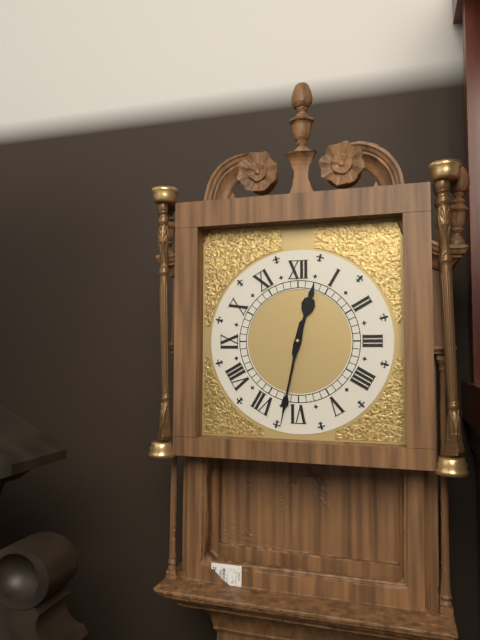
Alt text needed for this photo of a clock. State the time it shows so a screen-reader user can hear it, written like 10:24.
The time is 12:32
